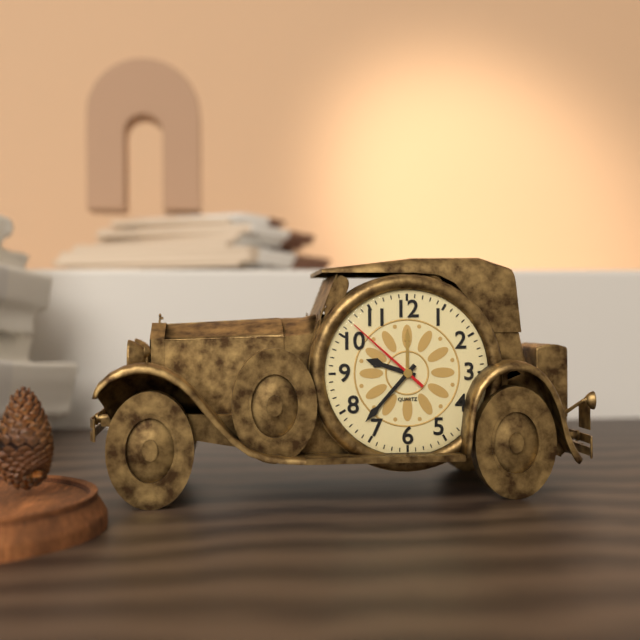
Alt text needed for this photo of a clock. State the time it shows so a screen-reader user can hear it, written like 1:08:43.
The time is 9:37:52
